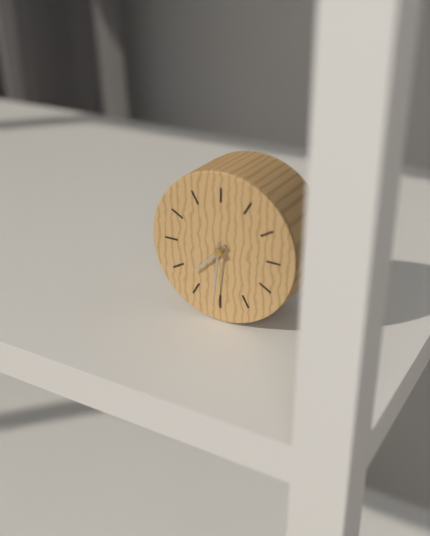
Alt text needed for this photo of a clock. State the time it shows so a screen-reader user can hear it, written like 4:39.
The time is 7:31
